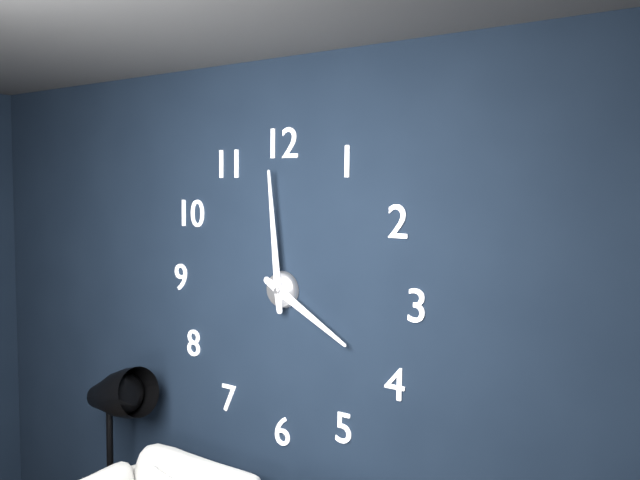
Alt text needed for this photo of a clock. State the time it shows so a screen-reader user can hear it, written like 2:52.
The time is 3:59
